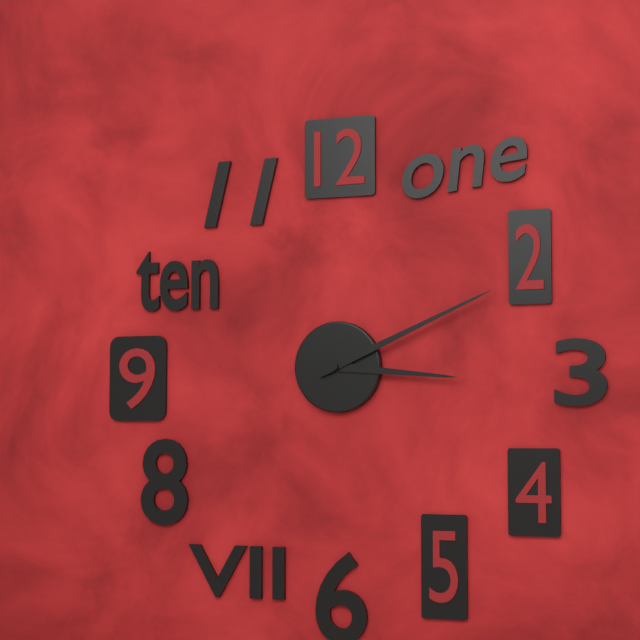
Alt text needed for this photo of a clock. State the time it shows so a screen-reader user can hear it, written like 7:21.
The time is 3:11
